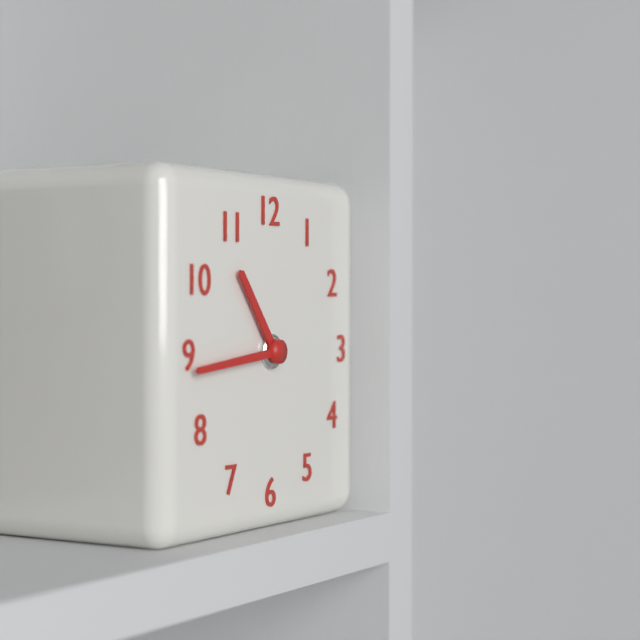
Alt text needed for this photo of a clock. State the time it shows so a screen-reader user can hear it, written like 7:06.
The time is 10:44
